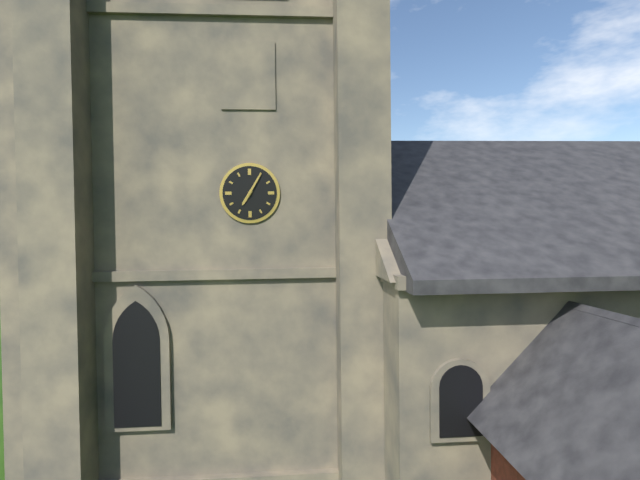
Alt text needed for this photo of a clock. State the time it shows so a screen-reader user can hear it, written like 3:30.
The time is 7:05
